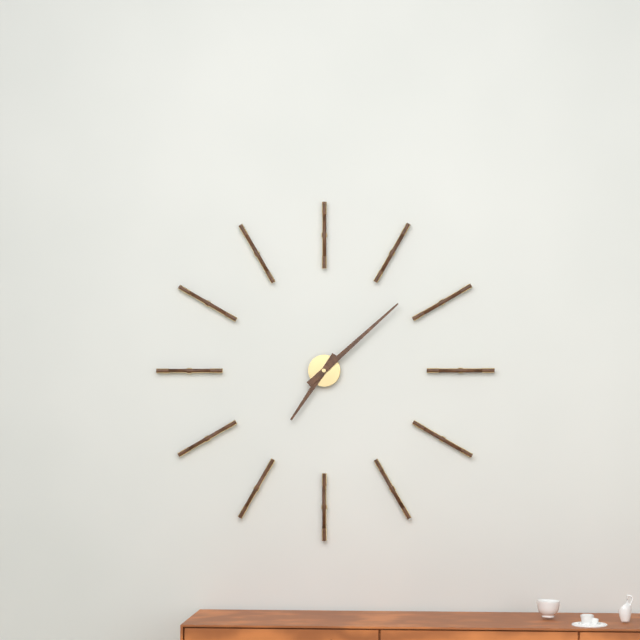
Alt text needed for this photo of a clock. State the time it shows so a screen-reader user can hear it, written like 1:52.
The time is 7:08
